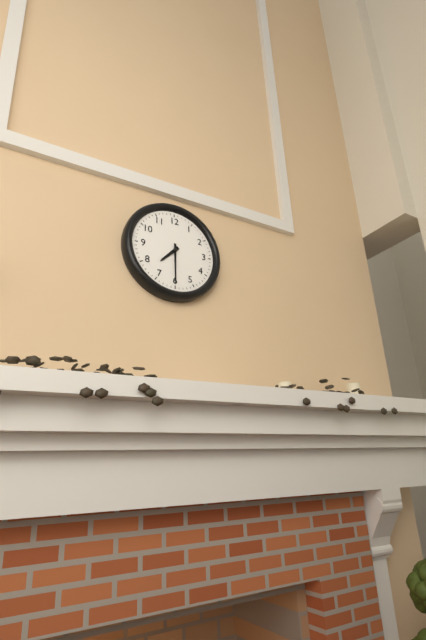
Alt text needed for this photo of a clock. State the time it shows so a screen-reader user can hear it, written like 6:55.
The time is 7:30
